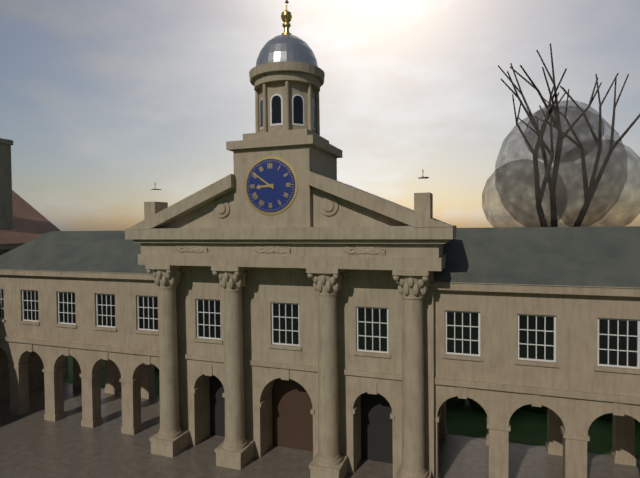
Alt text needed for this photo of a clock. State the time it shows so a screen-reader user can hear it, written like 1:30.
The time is 8:51
